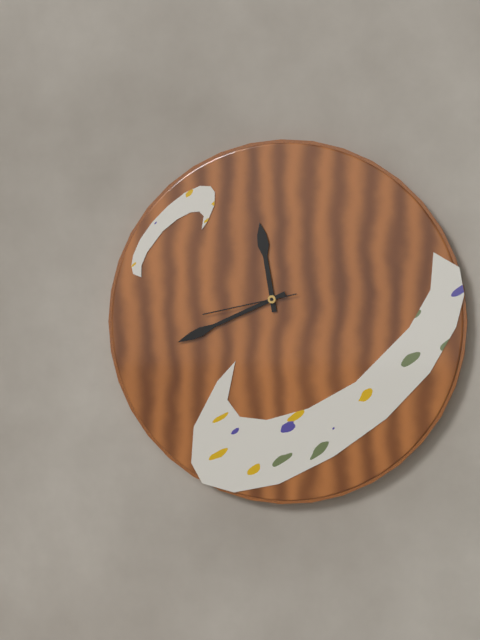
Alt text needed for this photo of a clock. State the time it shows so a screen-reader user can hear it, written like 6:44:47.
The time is 11:41:43
